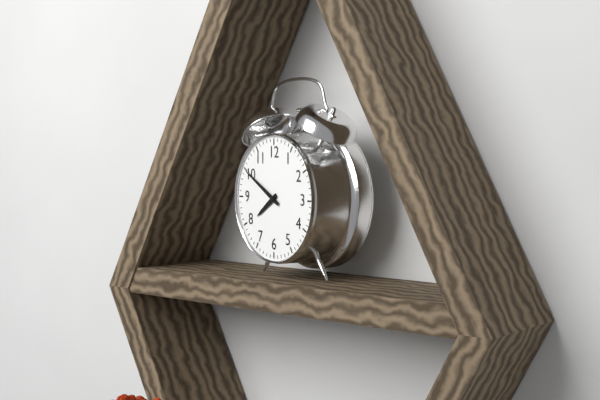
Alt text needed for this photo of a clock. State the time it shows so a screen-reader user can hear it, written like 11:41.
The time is 7:50
